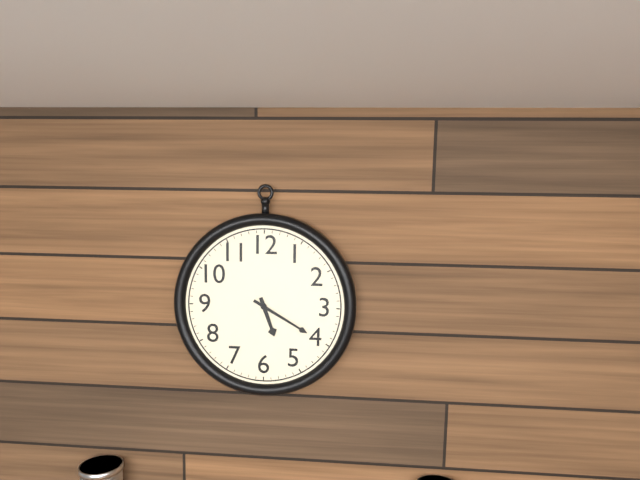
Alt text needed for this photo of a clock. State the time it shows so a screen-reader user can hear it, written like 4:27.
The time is 5:20
